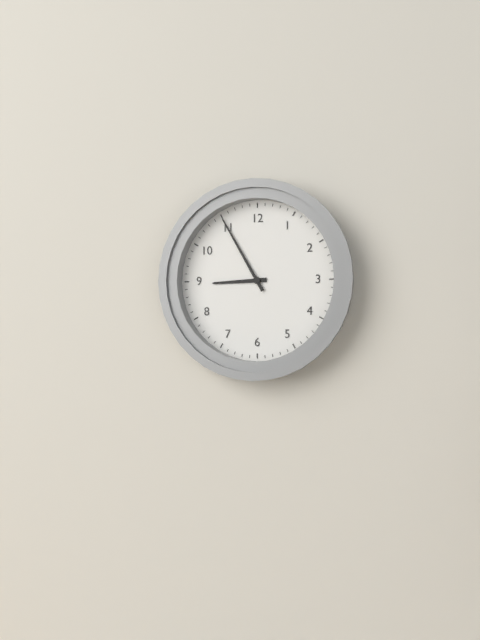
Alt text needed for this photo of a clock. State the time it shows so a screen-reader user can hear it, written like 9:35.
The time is 8:55
